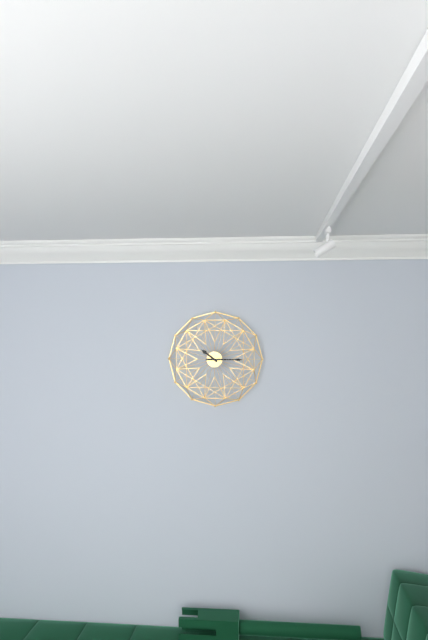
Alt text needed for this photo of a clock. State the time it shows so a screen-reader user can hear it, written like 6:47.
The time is 10:15
